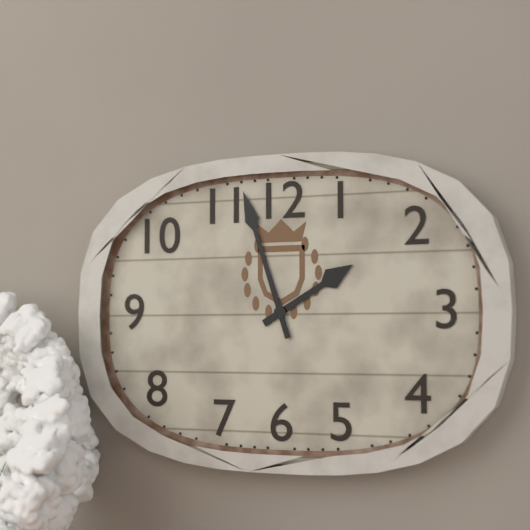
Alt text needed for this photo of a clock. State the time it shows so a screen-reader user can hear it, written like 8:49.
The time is 1:57
